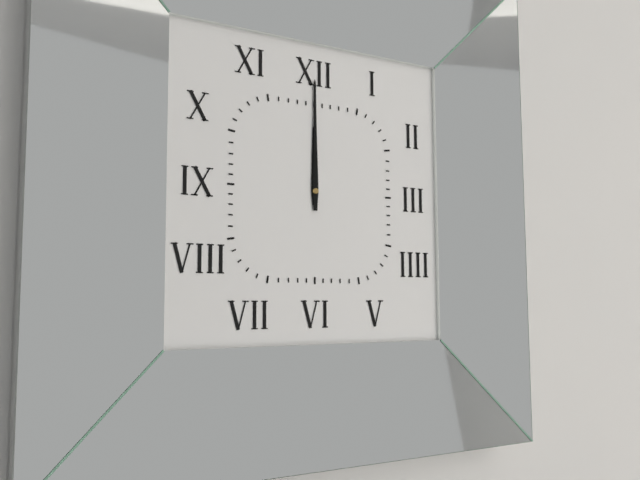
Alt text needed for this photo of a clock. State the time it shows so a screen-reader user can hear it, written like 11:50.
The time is 12:00
